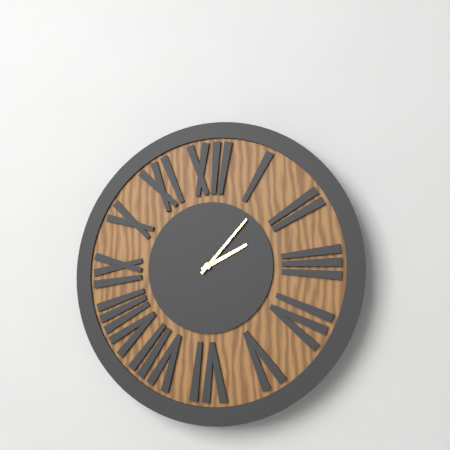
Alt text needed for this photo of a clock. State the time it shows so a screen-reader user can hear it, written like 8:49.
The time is 2:07
